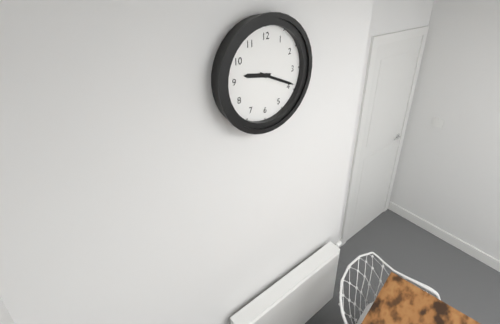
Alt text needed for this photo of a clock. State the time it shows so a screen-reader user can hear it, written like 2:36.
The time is 9:19
